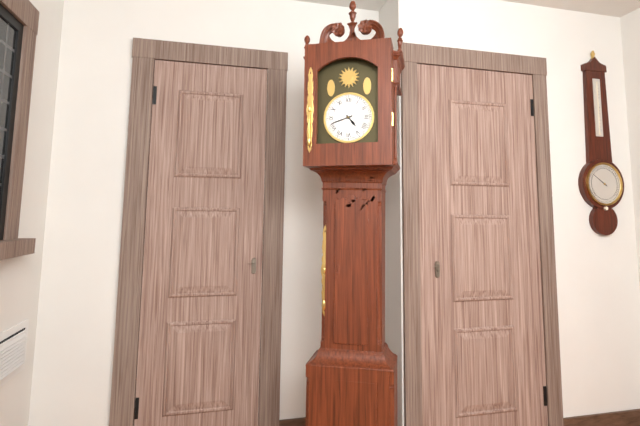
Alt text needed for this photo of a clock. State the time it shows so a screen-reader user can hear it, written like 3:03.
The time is 4:42
